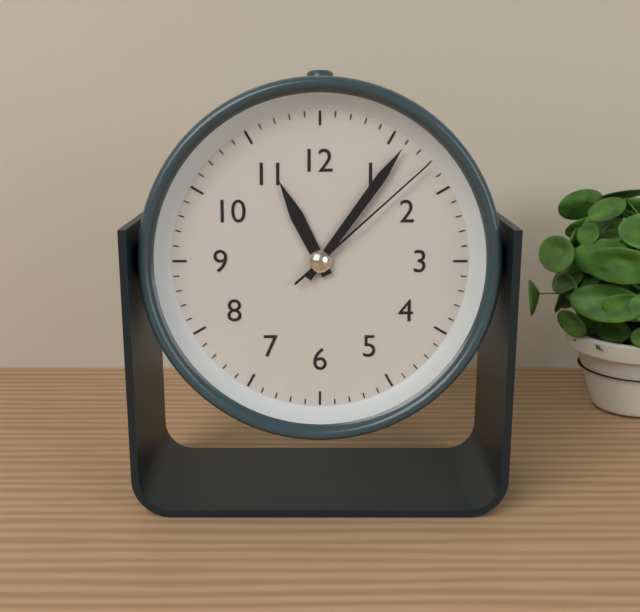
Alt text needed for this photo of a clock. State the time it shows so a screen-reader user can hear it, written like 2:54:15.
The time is 11:06:08
